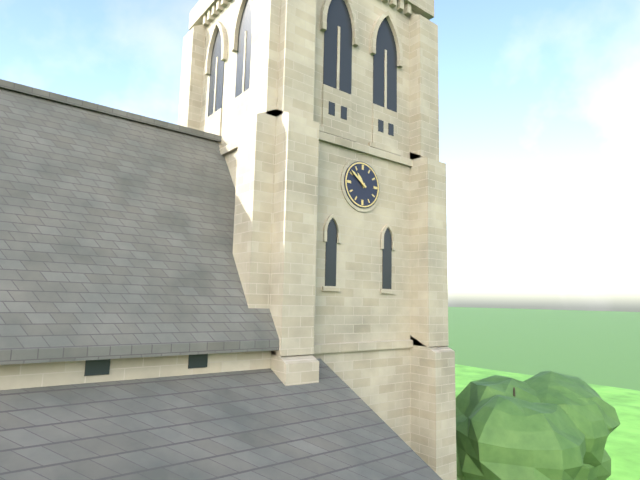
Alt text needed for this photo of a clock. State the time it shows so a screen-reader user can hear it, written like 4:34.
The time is 10:51
